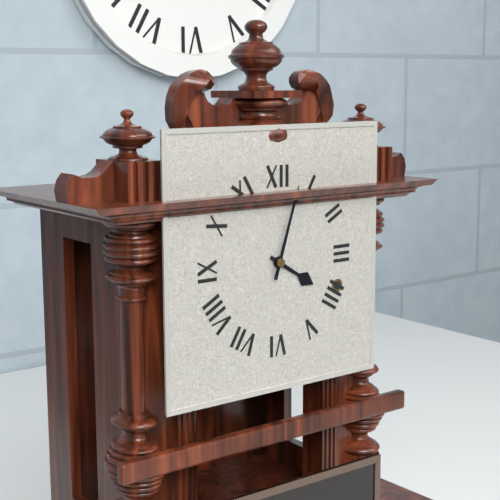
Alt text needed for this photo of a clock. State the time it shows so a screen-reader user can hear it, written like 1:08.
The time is 4:03
